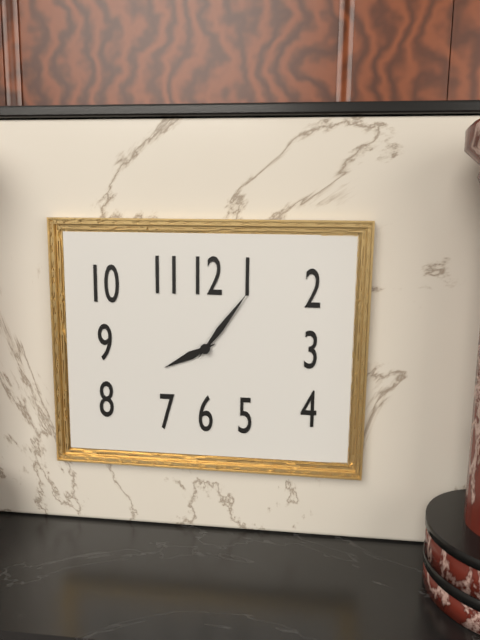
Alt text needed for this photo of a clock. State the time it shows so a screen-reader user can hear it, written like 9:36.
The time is 8:06
